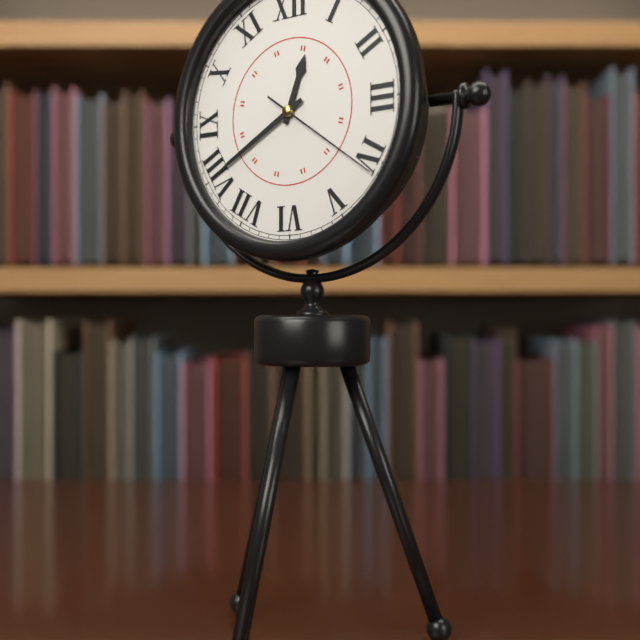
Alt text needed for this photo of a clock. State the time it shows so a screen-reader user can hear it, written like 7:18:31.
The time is 12:40:21
